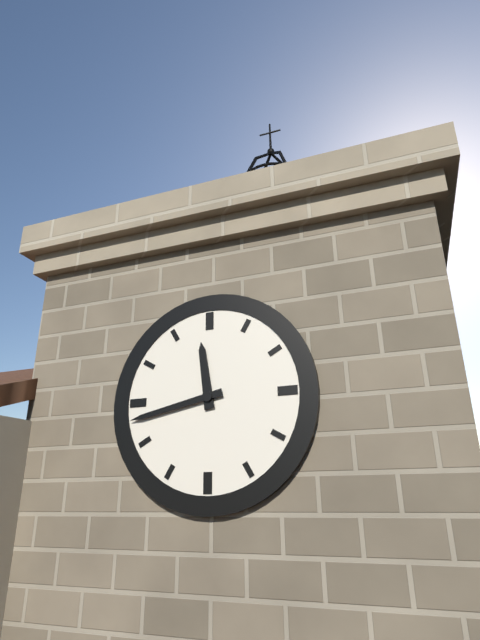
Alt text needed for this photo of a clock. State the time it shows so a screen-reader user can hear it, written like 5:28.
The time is 11:43
